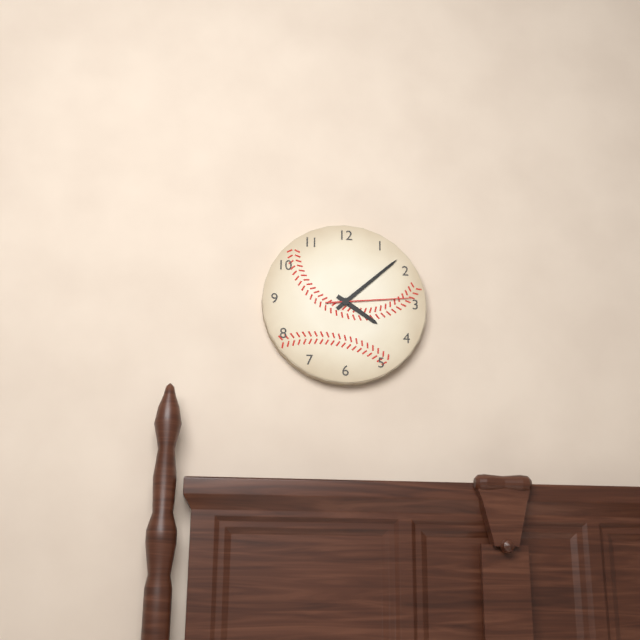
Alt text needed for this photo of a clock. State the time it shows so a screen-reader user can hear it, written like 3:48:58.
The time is 4:08:14
